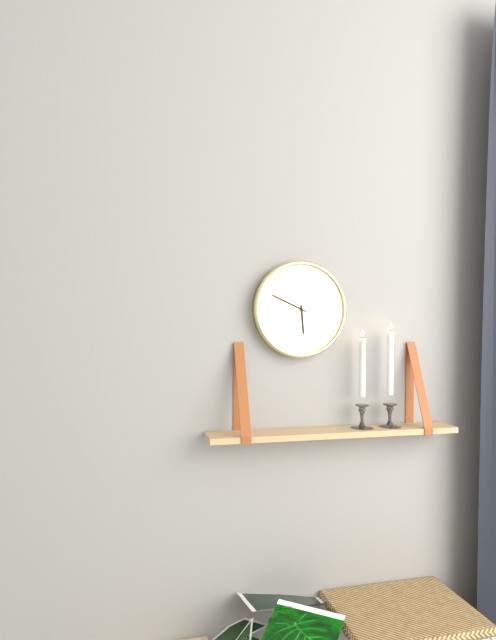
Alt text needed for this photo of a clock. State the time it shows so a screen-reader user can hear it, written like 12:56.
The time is 5:49
